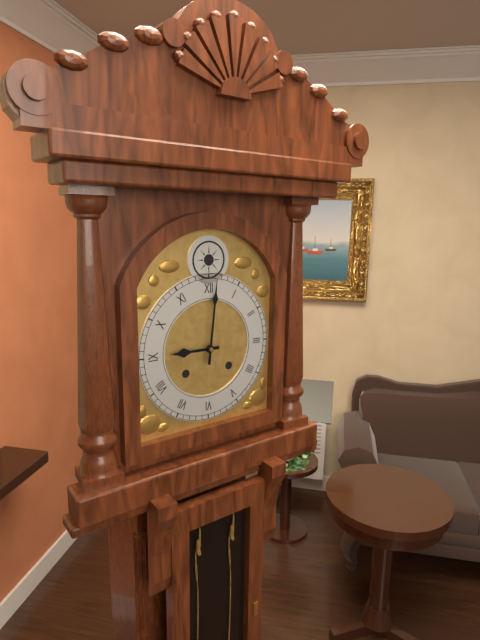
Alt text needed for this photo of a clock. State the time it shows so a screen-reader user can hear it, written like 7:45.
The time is 9:01
